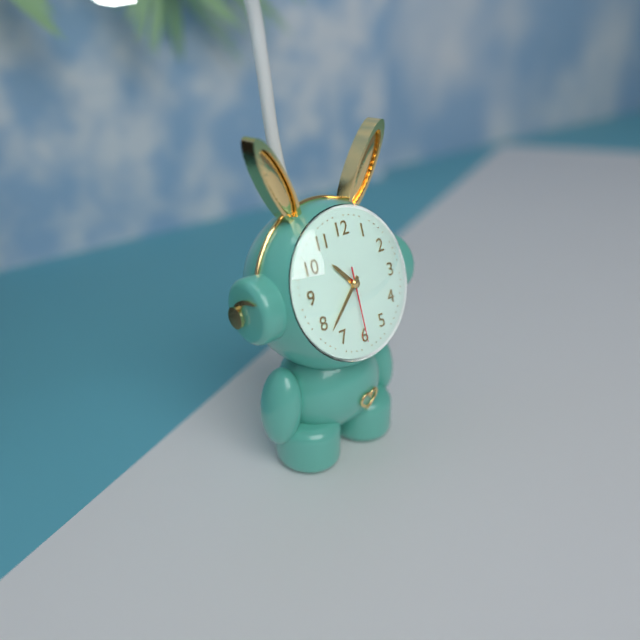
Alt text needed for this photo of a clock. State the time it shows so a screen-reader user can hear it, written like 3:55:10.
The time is 10:38:30
